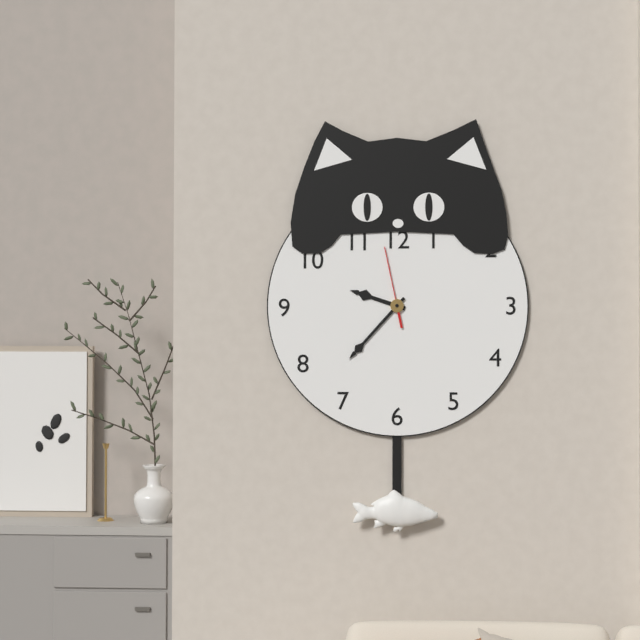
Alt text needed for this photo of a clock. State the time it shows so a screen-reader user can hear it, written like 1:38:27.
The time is 9:37:58
